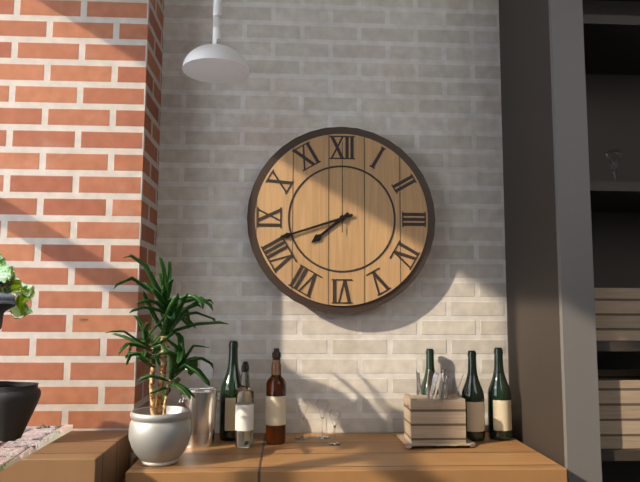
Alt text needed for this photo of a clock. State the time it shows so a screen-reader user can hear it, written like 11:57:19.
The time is 7:42:00
